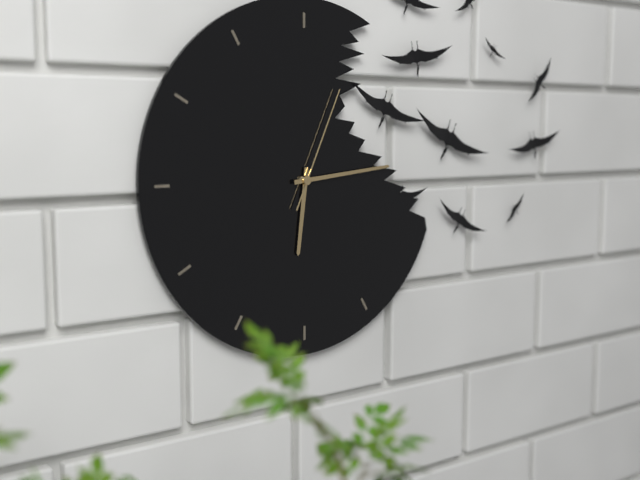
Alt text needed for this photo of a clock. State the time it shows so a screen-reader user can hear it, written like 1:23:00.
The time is 6:14:04
